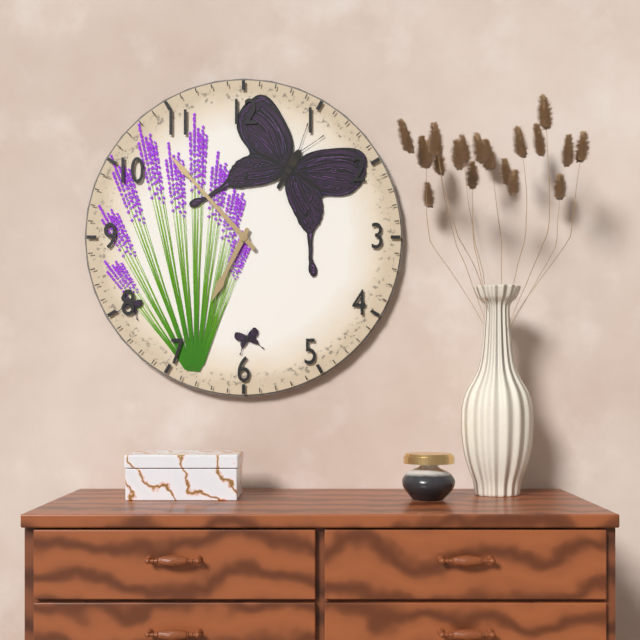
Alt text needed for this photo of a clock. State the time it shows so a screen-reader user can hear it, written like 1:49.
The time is 6:53
